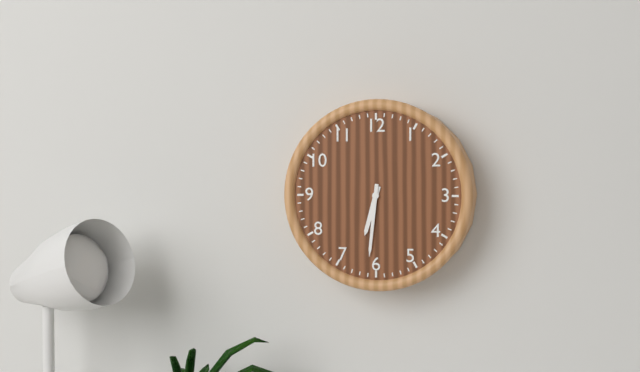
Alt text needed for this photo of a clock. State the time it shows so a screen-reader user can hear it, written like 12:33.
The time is 6:31
